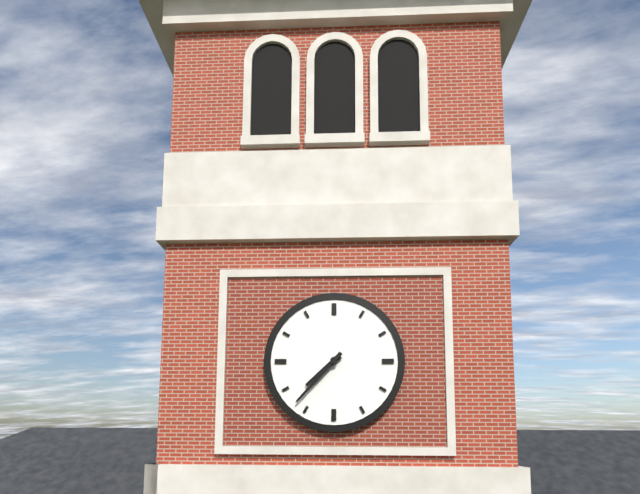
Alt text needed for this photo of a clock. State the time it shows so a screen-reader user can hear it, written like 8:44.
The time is 7:37
